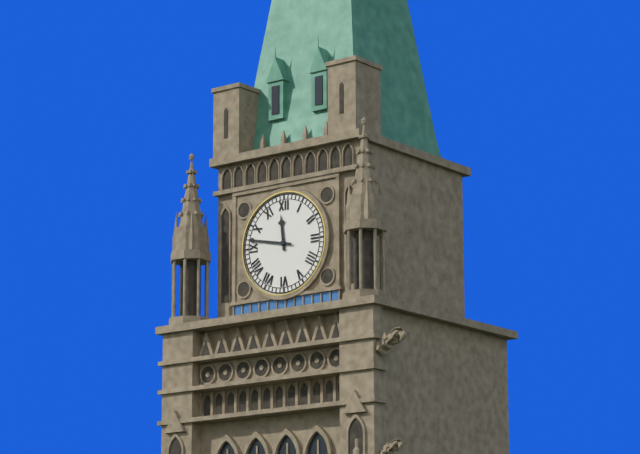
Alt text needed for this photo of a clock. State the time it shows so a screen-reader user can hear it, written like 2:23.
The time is 11:47
